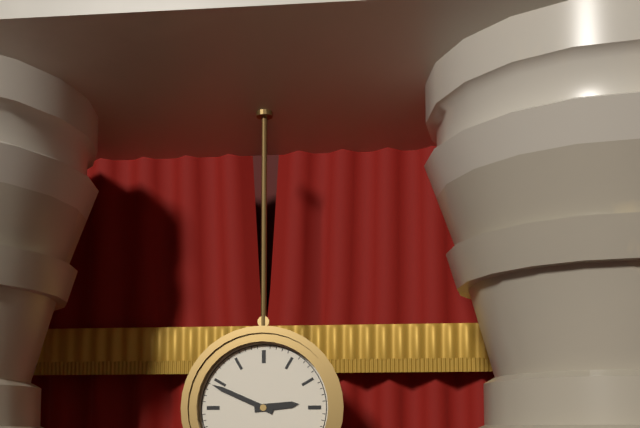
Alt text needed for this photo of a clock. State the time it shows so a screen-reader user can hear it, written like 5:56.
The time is 2:49
